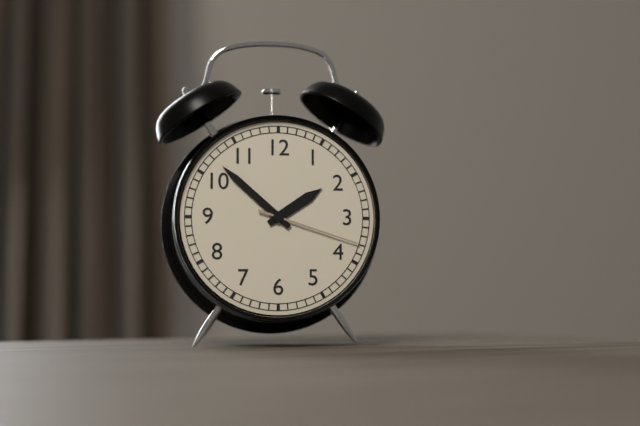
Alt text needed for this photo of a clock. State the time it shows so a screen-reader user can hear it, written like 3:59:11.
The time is 1:52:18
